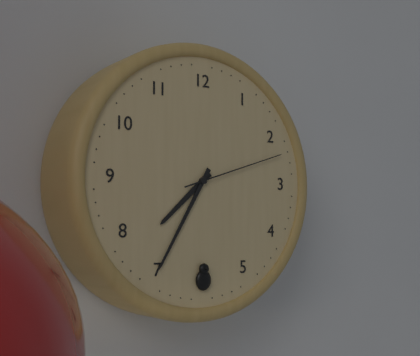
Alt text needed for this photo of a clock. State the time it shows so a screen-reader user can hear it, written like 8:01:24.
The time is 7:35:12
